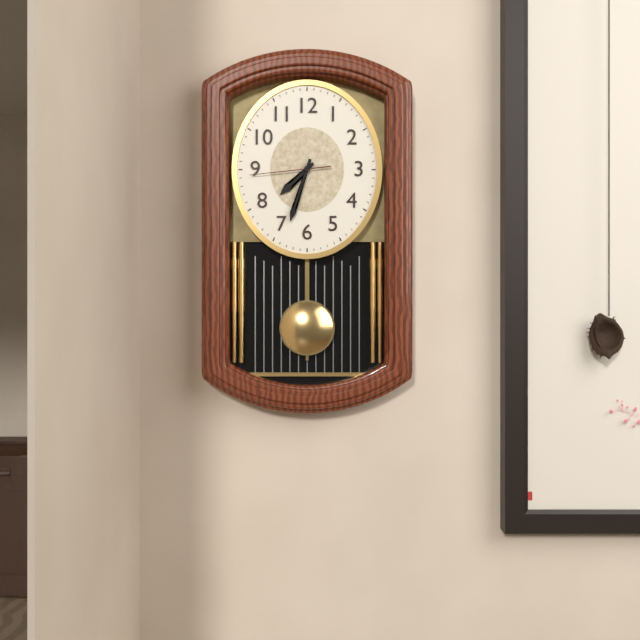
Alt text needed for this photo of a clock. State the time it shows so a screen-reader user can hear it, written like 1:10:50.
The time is 7:33:44
